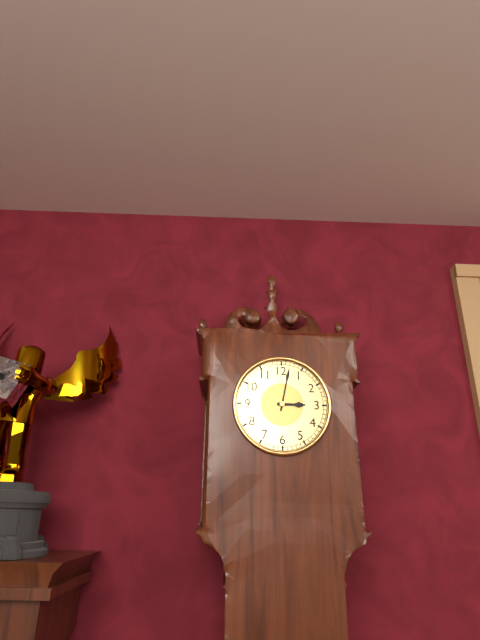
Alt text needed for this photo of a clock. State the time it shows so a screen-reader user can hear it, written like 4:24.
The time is 3:02
